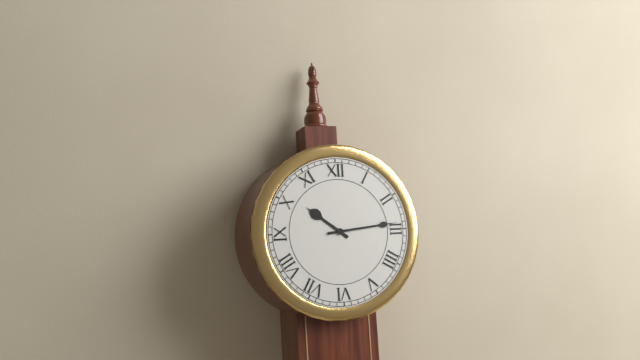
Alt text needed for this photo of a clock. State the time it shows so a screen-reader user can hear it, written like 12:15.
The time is 10:14
